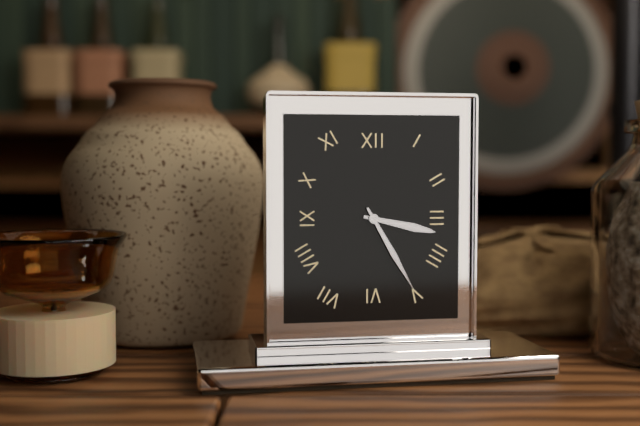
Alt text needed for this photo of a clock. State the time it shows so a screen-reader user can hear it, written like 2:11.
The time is 3:25
